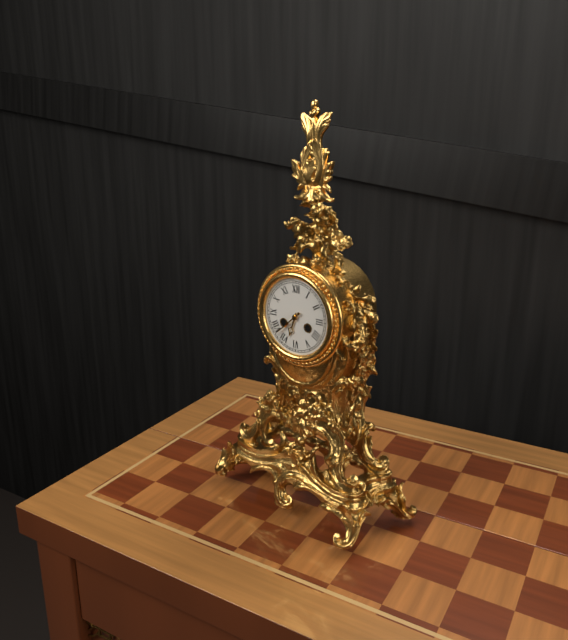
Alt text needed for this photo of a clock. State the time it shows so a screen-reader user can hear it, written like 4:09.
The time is 6:38
